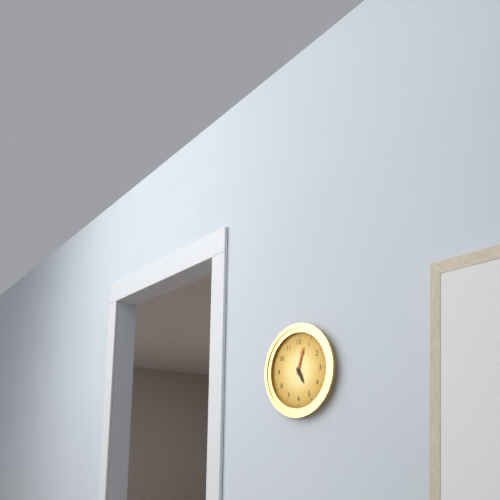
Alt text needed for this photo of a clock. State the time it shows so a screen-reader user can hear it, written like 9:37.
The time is 5:03
